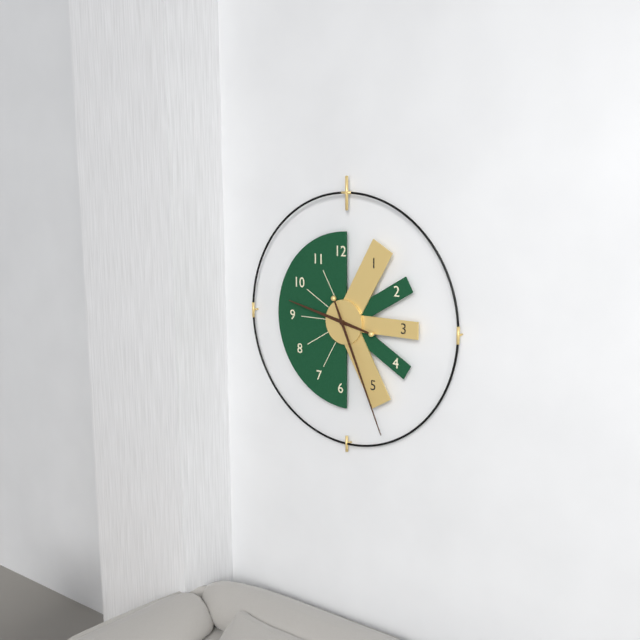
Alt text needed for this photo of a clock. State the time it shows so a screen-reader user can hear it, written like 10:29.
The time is 9:26
